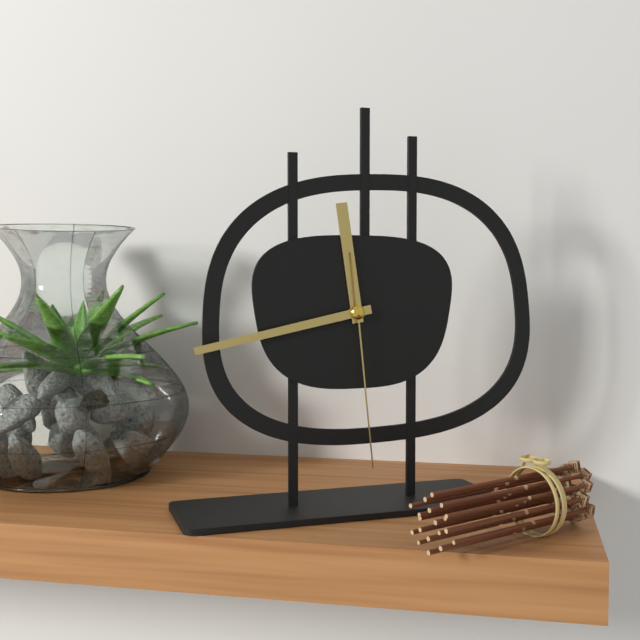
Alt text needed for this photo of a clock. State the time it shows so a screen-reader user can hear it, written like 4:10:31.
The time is 11:43:29
